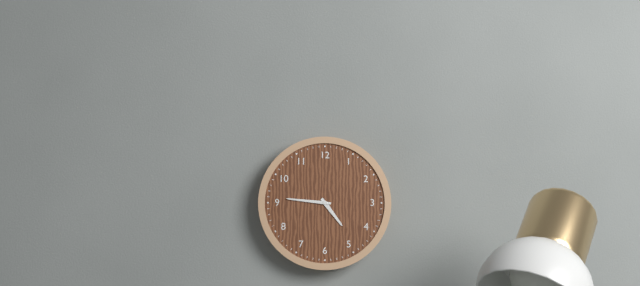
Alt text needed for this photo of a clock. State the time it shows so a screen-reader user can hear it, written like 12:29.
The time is 4:46
